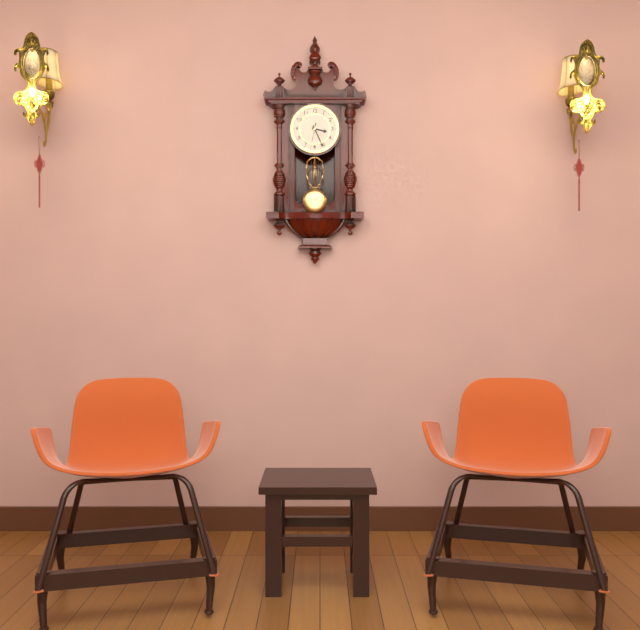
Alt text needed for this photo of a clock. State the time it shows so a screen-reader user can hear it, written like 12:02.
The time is 3:26
